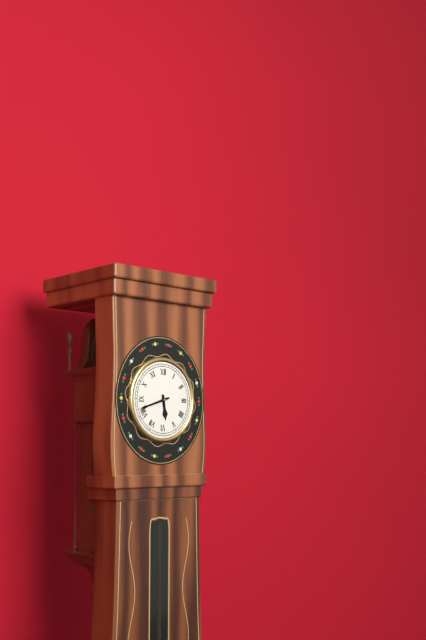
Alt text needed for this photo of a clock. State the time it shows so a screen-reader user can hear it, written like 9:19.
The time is 5:42
